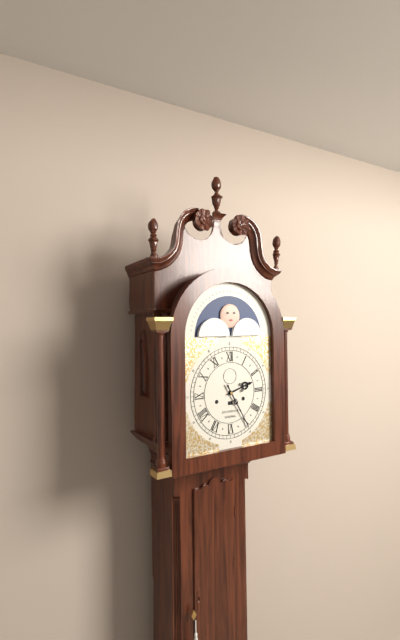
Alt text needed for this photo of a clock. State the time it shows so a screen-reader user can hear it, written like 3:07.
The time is 2:25
